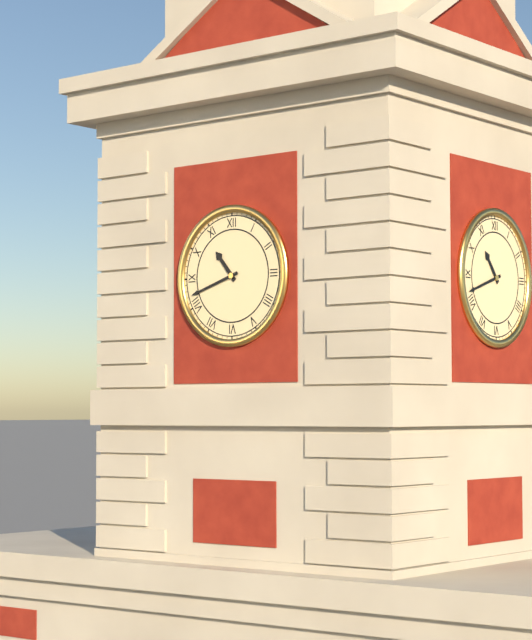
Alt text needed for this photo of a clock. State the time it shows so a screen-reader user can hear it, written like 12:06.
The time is 10:42
